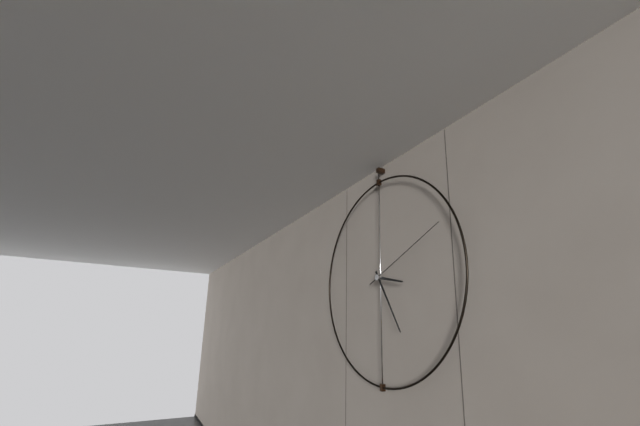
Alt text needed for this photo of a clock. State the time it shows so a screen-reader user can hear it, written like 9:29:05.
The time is 3:25:11
